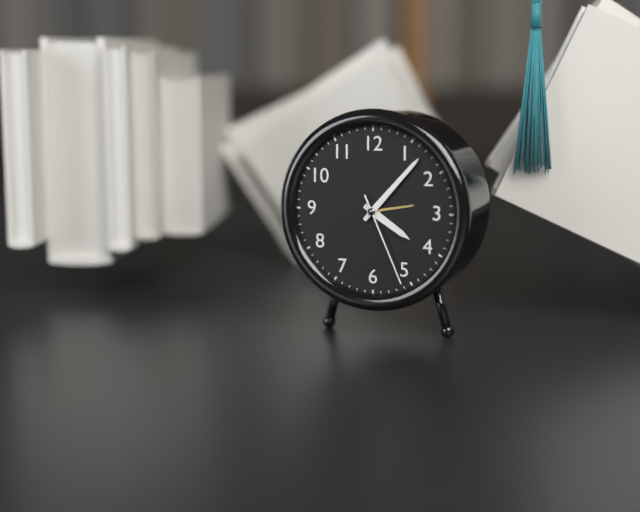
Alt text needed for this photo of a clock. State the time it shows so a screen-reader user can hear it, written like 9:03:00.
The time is 4:07:26
